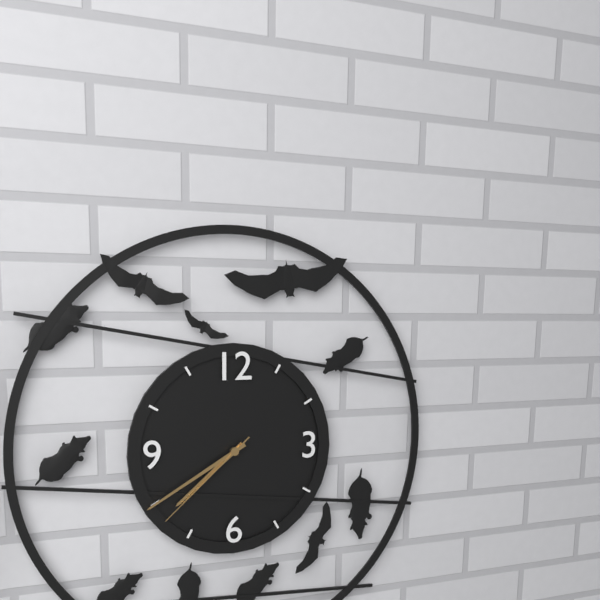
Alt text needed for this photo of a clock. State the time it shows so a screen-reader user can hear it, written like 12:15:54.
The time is 7:40:38
